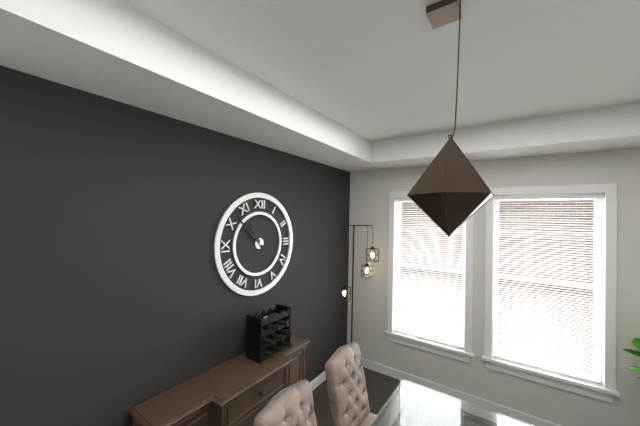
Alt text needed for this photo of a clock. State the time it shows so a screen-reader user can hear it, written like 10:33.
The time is 10:52
